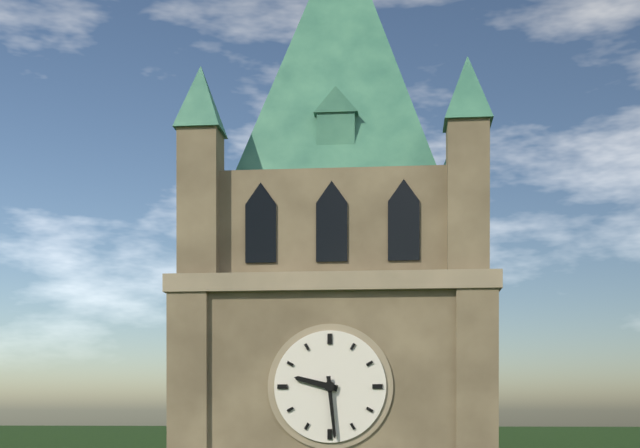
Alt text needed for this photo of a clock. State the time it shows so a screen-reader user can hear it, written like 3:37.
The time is 9:29
